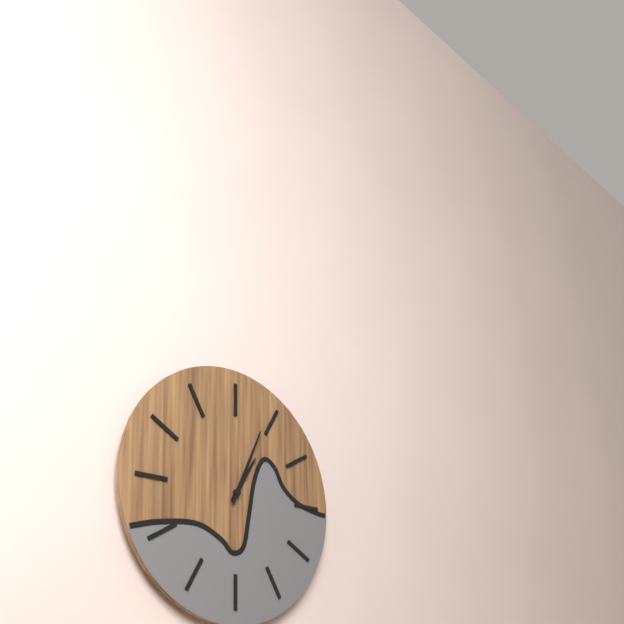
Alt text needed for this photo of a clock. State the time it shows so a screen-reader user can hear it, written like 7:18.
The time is 1:04
